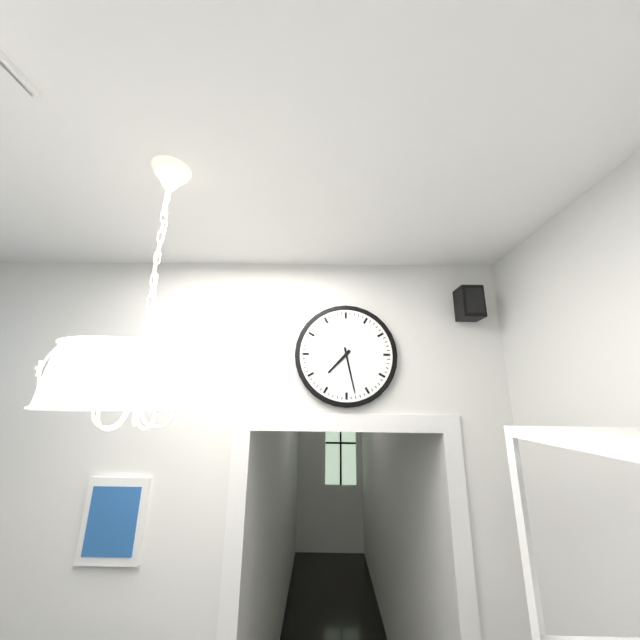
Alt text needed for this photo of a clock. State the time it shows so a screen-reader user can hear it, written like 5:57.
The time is 7:28
